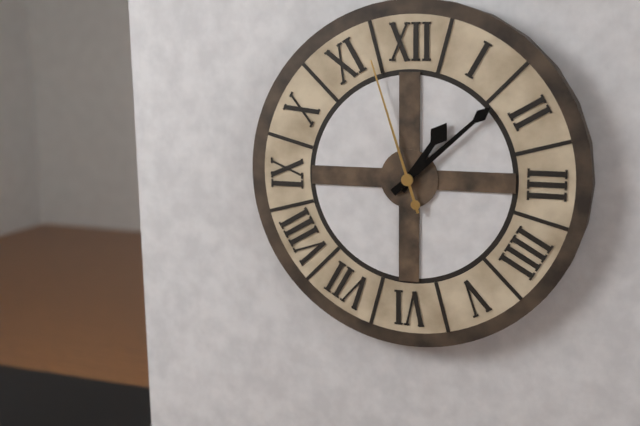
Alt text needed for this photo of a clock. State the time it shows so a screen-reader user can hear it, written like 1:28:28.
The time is 1:08:57
